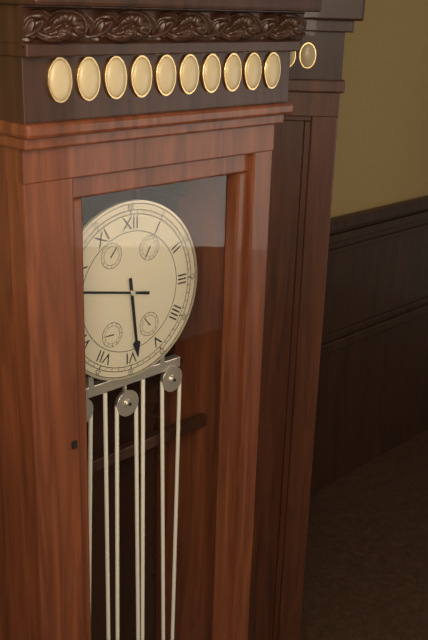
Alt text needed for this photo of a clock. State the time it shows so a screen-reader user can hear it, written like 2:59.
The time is 5:47
